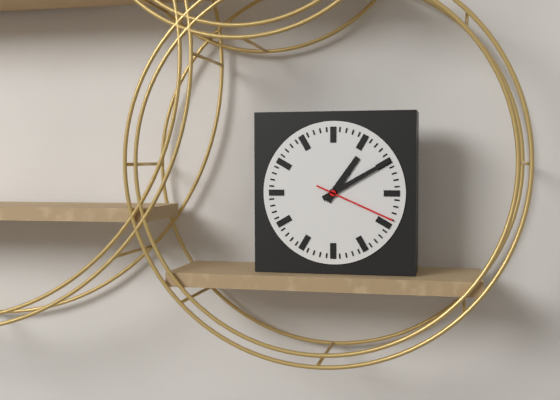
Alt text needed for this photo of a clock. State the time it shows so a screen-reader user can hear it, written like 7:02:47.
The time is 1:10:19
